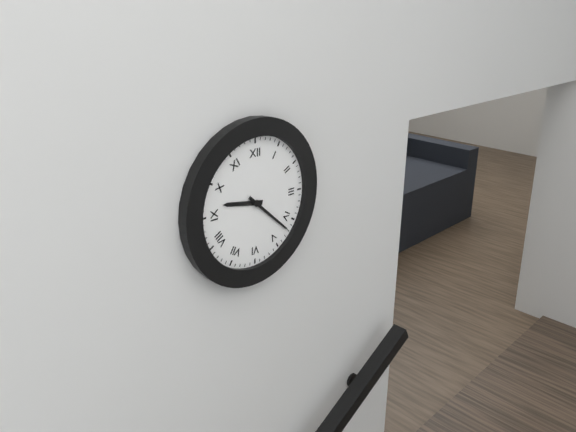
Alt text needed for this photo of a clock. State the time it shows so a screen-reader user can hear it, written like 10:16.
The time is 9:22
